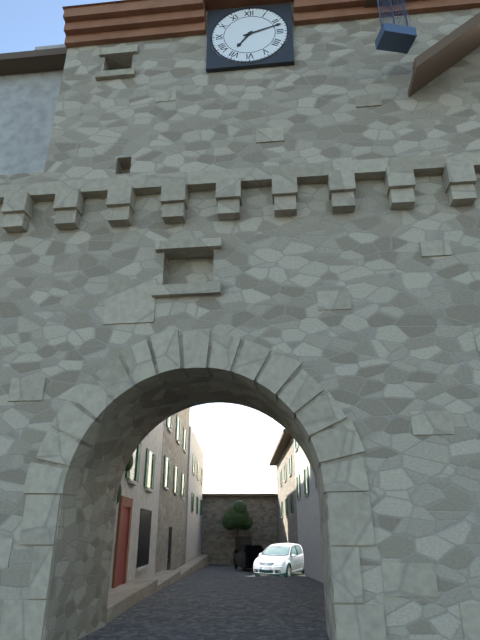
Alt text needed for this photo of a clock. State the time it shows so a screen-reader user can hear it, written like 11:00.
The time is 7:12
